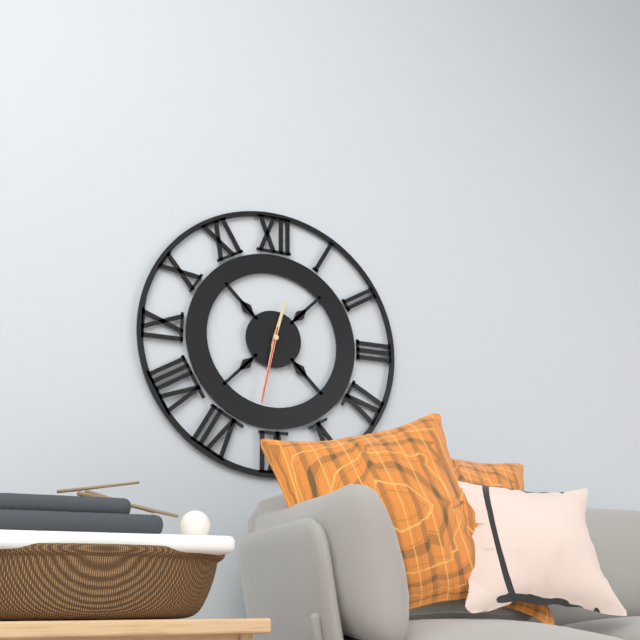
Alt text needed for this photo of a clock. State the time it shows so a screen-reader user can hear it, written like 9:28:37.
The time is 12:32:32
